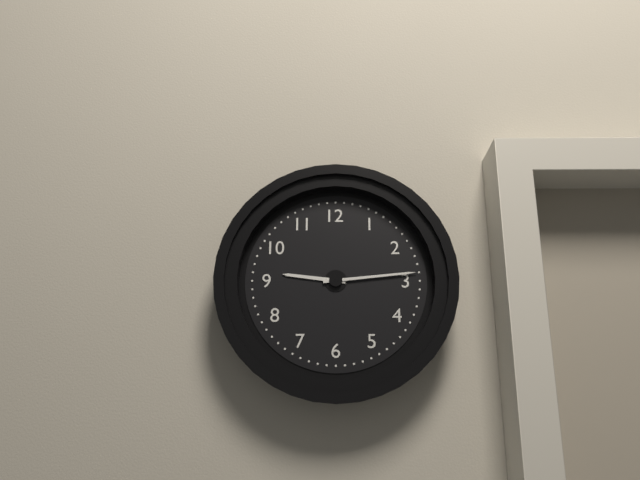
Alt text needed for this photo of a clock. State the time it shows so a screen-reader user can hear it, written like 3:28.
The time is 9:14
